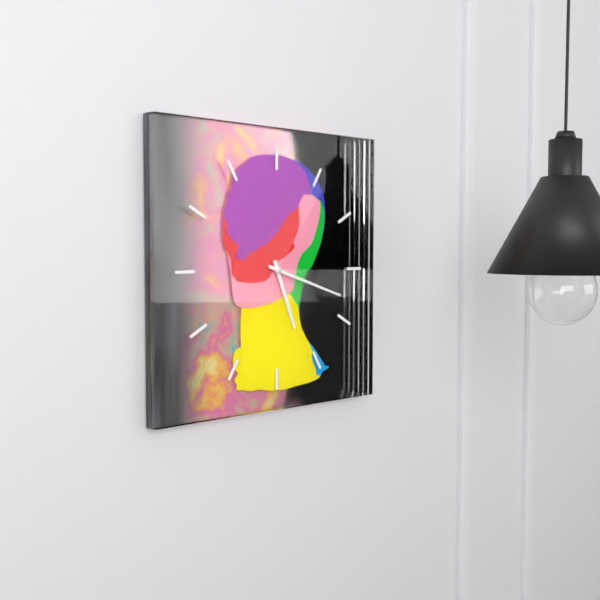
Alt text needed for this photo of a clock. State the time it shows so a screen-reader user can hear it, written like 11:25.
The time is 5:18
